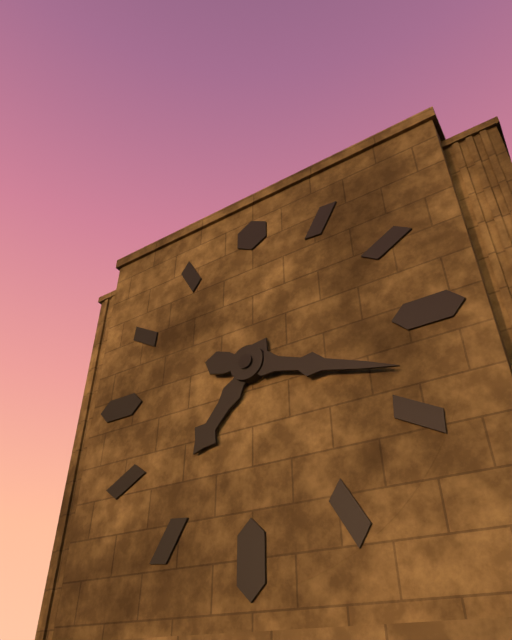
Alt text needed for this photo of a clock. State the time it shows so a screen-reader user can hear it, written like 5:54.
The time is 7:18
